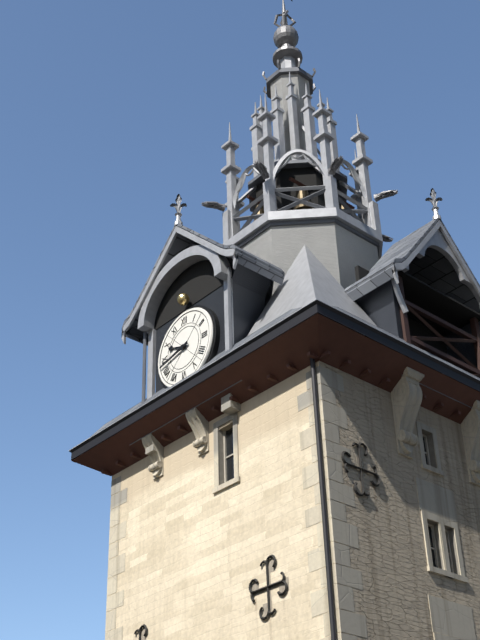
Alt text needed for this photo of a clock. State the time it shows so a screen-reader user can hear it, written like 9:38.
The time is 9:43
